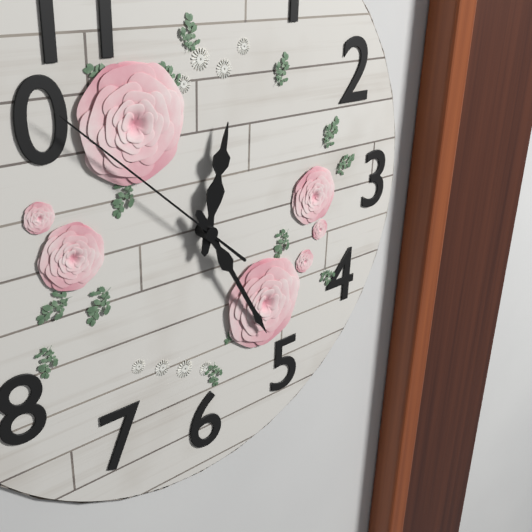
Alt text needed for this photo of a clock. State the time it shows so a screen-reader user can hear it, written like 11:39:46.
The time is 12:25:52
